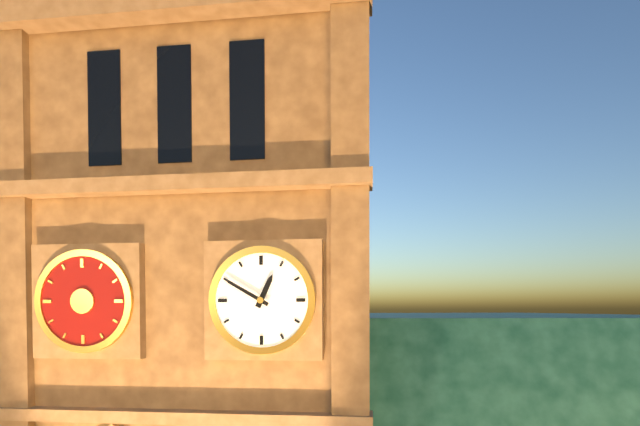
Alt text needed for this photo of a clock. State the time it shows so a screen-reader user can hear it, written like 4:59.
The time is 12:50
